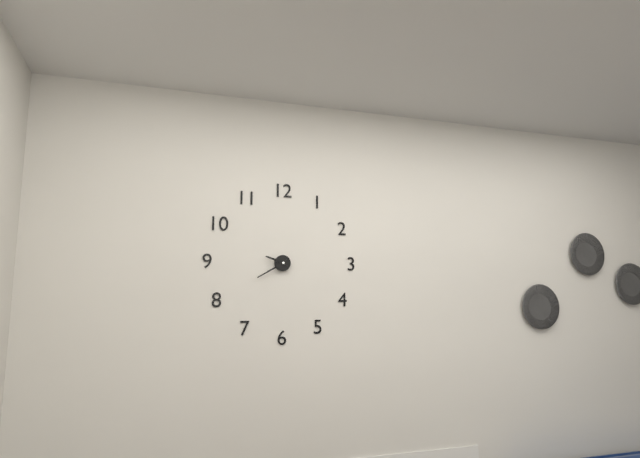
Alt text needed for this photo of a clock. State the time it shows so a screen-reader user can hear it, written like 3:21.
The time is 9:40
